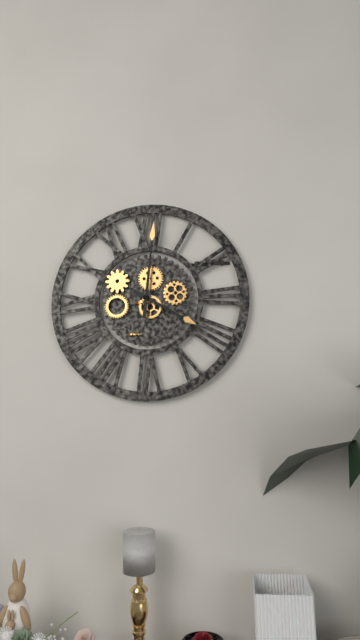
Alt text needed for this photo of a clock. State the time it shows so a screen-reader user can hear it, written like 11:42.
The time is 4:01
